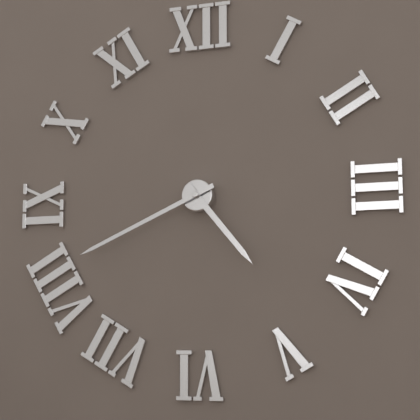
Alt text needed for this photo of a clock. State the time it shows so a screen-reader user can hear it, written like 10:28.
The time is 4:41
